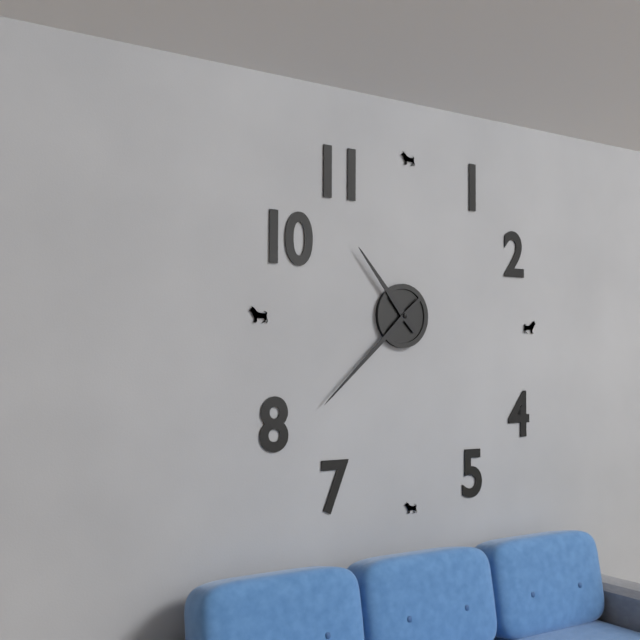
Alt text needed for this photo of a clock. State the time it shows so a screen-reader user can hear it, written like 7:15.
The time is 10:38
